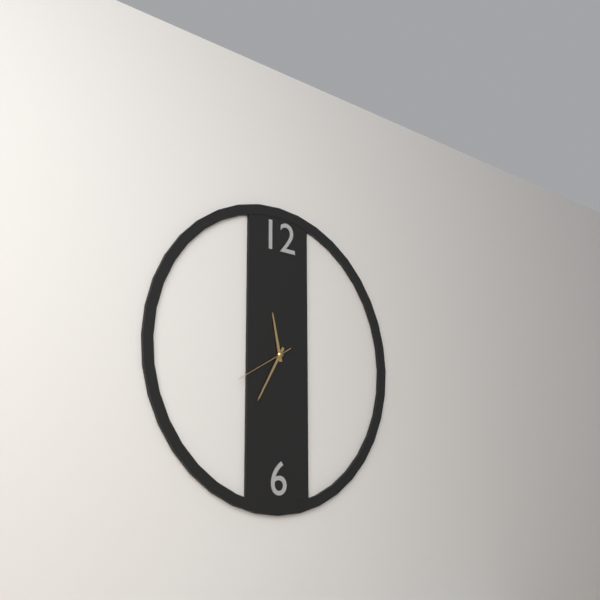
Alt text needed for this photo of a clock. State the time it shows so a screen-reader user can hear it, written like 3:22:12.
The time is 11:35:40
